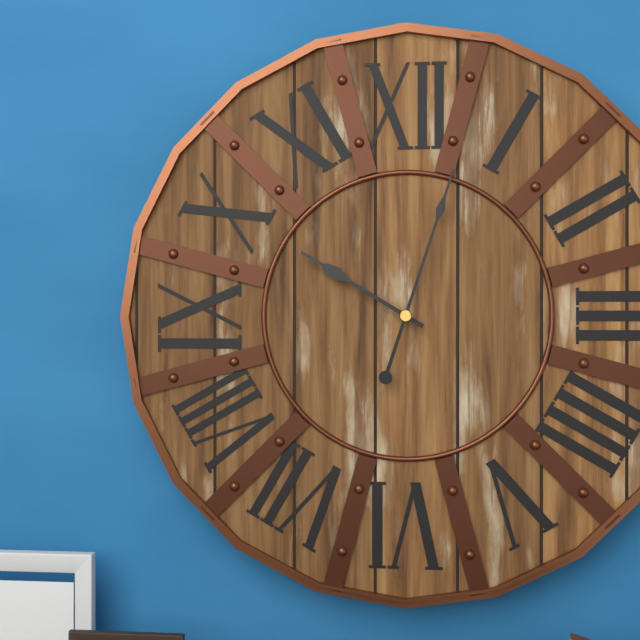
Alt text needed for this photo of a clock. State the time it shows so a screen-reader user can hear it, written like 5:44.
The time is 10:03
